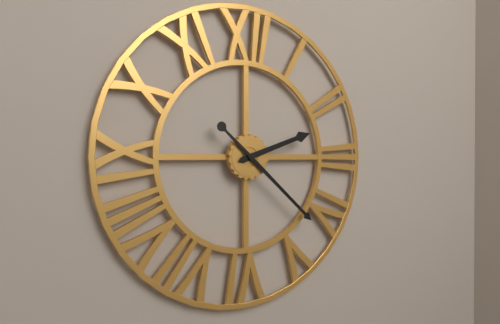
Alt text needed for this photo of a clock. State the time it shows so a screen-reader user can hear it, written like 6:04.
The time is 2:22
